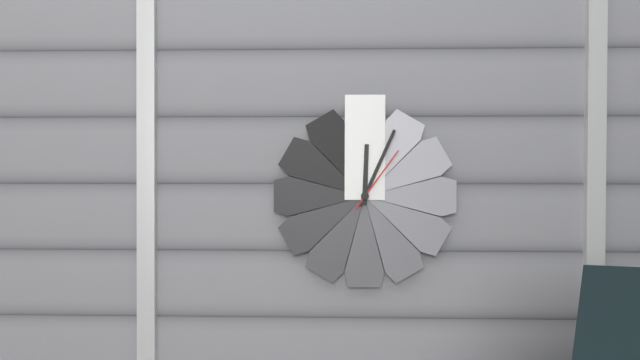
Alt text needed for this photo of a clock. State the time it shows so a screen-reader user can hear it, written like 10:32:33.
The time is 12:04:06
